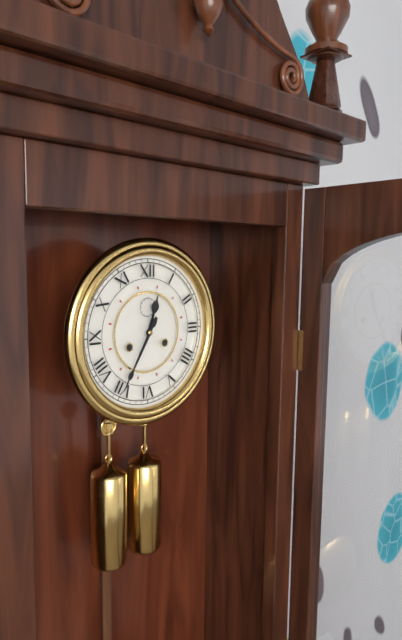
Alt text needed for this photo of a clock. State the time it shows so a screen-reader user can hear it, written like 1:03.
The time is 12:35
